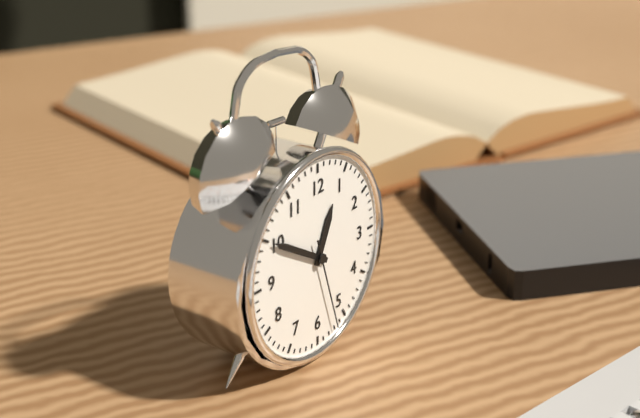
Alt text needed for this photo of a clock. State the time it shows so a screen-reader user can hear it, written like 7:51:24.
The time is 12:50:27
